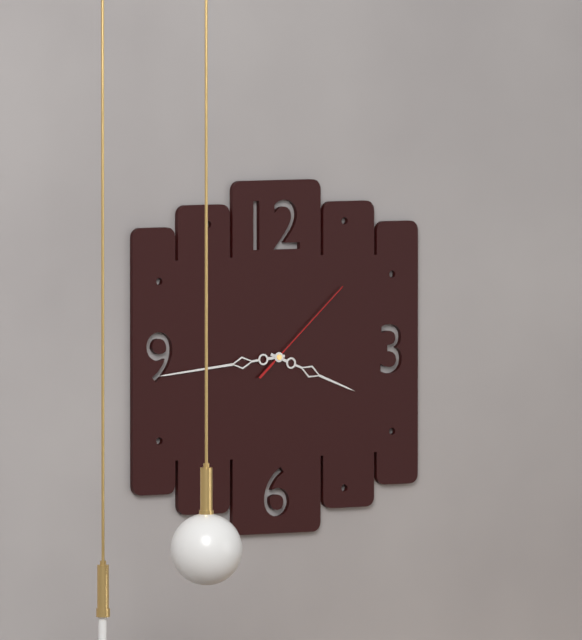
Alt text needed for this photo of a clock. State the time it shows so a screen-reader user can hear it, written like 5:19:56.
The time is 3:44:08
